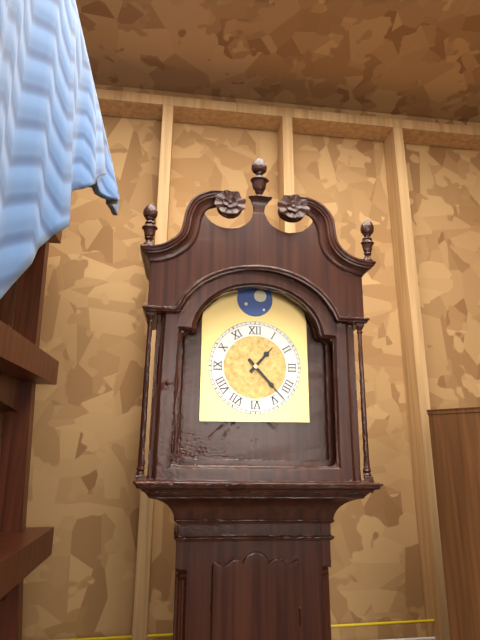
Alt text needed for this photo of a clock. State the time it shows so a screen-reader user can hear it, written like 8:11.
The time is 1:23
